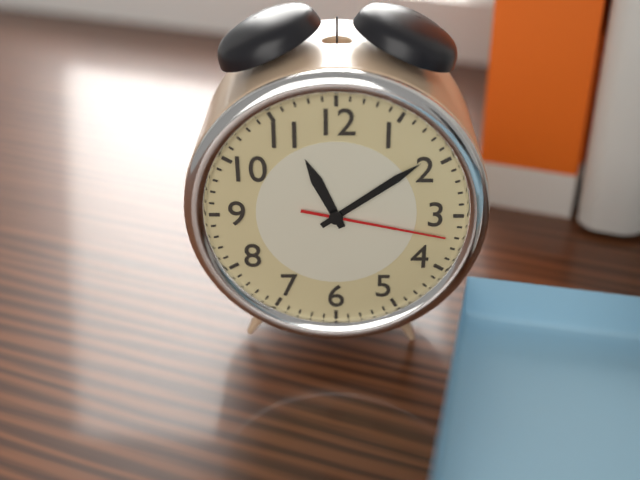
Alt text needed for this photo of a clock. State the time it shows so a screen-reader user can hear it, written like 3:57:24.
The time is 11:09:17
